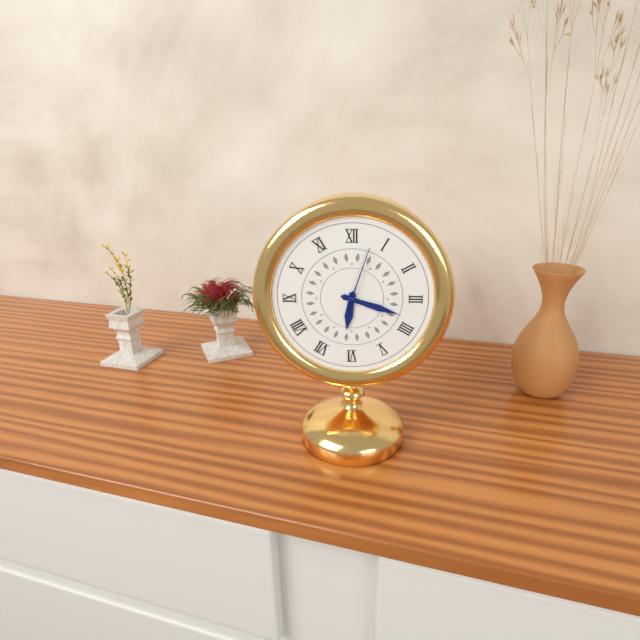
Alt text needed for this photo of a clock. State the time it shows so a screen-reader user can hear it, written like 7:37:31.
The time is 6:18:03
